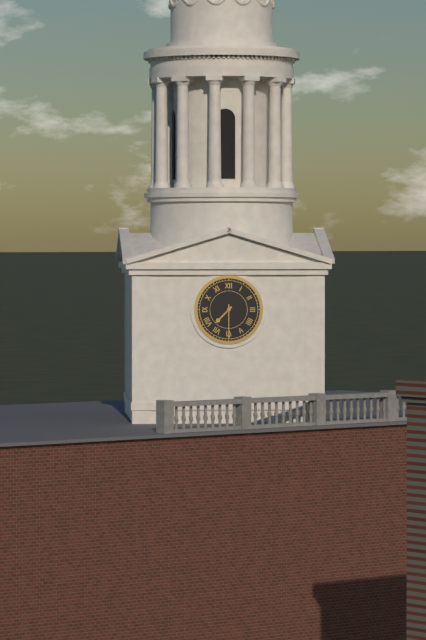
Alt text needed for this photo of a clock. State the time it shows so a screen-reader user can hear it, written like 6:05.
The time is 7:30
